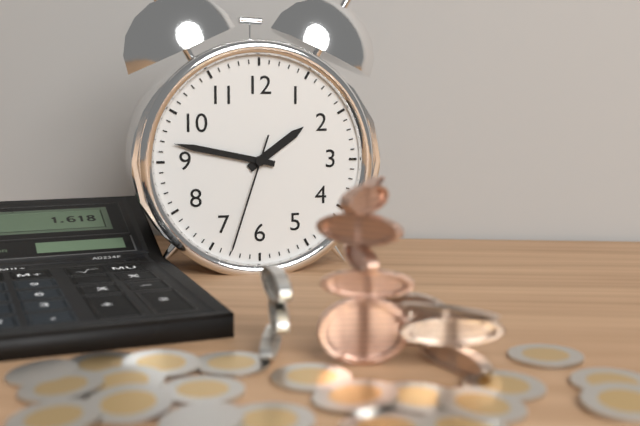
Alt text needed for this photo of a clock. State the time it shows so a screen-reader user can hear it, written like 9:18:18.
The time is 1:47:33
